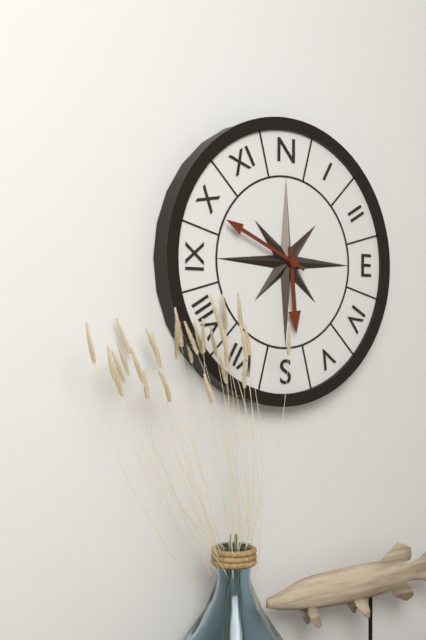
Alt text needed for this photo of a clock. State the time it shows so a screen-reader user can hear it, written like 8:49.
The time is 5:49
